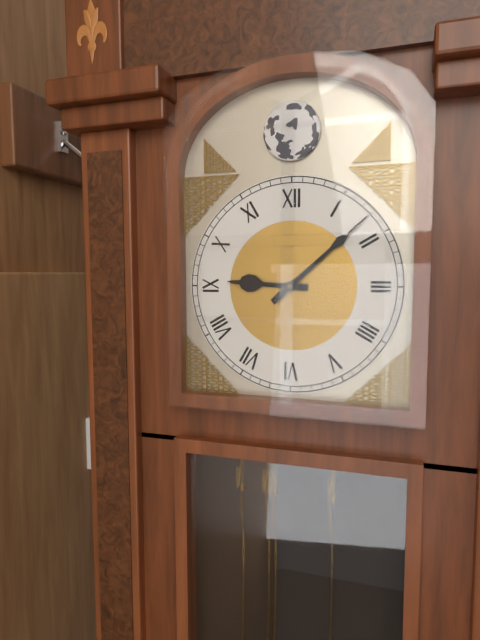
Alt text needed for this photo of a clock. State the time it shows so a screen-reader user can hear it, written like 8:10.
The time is 9:08
